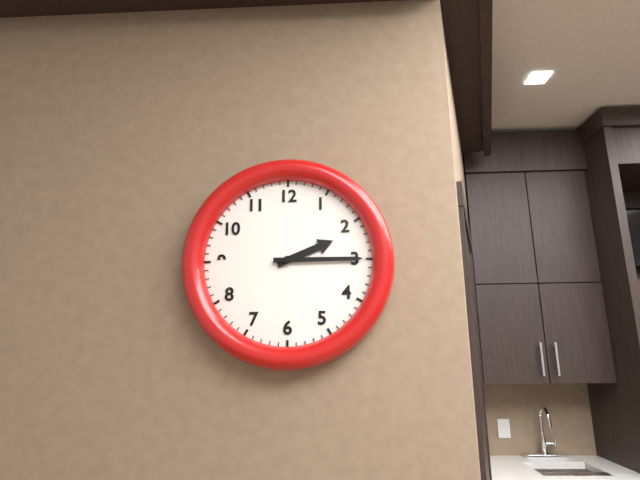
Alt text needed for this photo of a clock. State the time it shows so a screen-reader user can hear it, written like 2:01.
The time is 2:15
